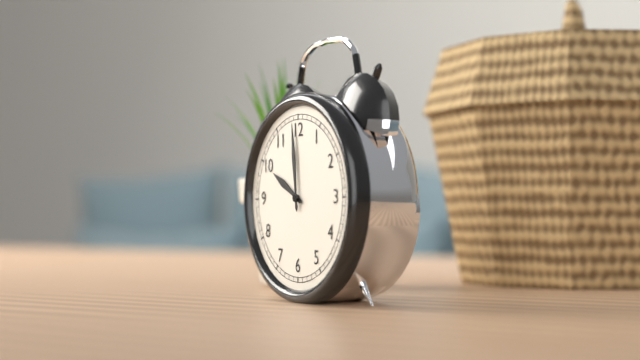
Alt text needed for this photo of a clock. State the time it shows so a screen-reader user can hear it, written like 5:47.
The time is 9:59
